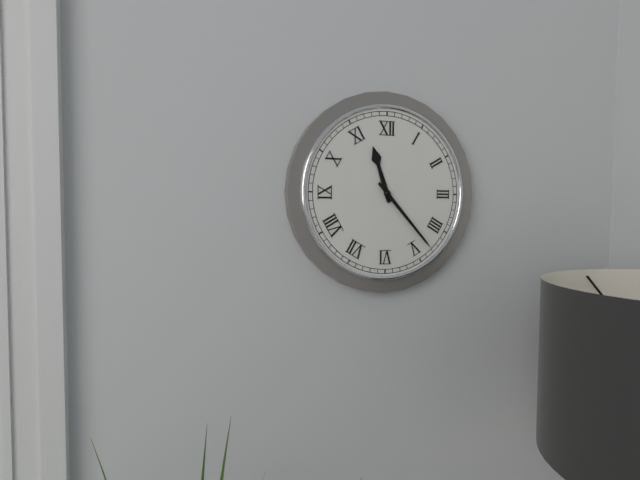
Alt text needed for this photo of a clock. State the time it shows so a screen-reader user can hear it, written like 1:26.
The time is 11:23
